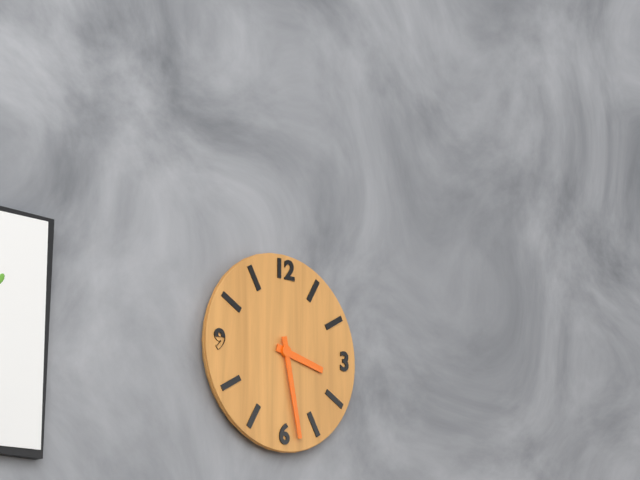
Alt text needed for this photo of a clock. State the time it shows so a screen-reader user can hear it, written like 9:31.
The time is 3:28
